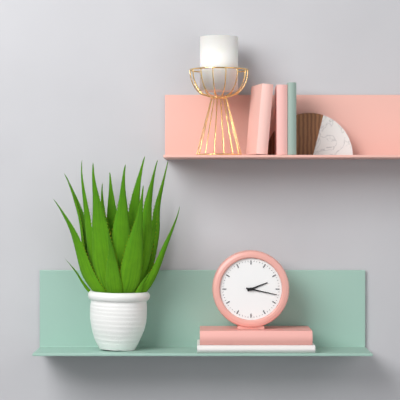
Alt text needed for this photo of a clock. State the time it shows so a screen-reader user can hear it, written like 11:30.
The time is 2:17
